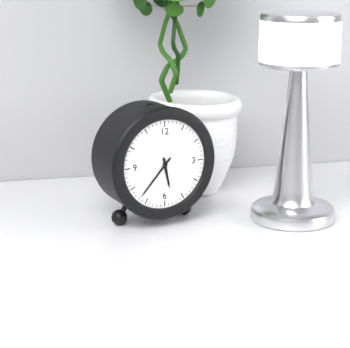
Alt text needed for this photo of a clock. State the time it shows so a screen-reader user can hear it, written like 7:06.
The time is 5:37
